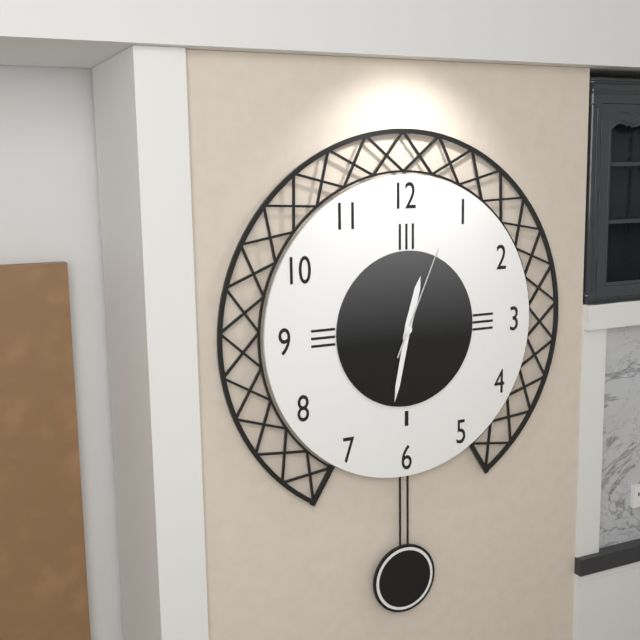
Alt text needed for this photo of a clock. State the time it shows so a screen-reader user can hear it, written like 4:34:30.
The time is 12:32:04
